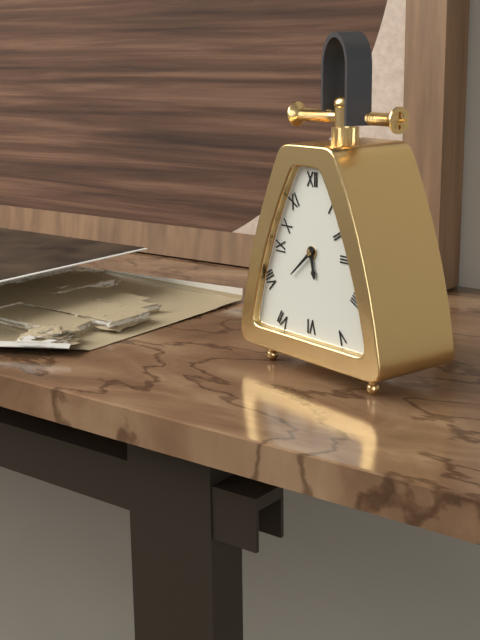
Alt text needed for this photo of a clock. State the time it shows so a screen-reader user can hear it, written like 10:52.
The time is 5:38
